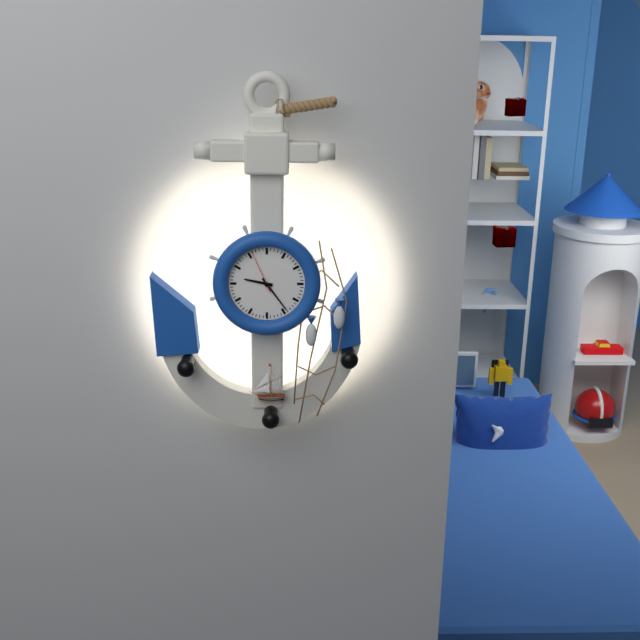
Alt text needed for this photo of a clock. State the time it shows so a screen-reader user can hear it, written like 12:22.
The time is 9:24
